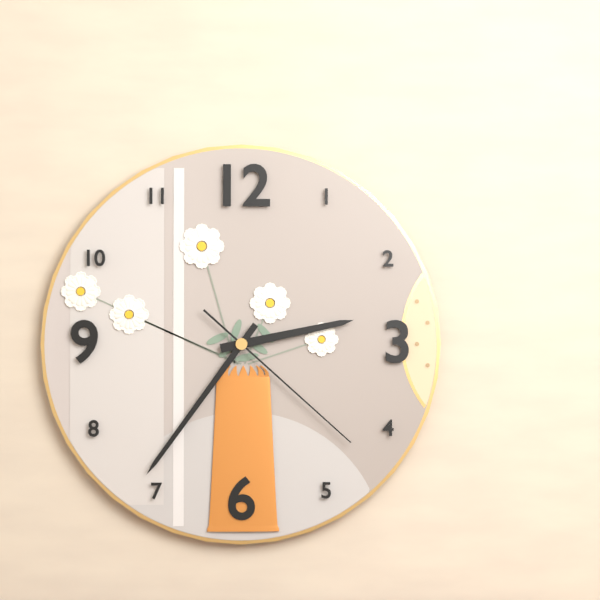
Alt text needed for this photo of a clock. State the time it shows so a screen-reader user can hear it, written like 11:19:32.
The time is 2:36:22
